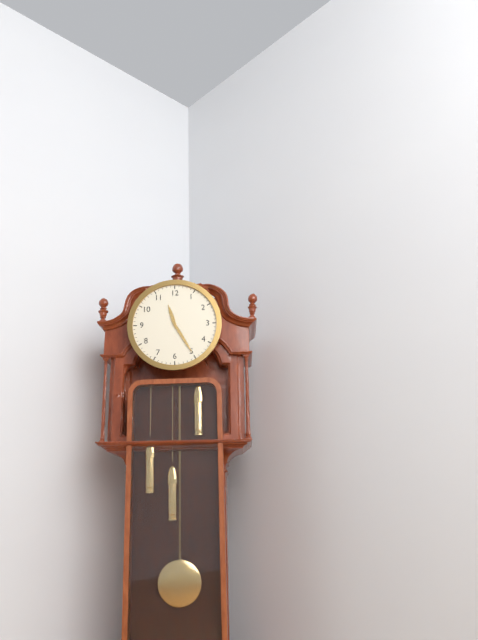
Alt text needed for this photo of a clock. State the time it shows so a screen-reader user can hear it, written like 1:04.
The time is 11:25
